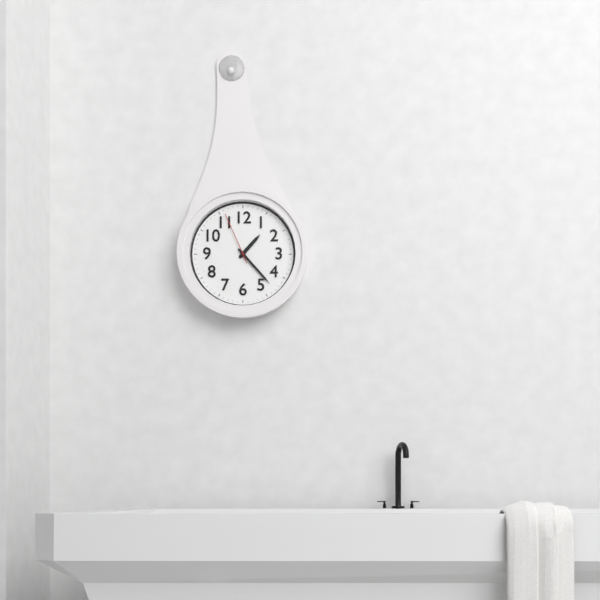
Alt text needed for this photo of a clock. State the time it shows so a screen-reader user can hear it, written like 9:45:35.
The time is 1:23:56
